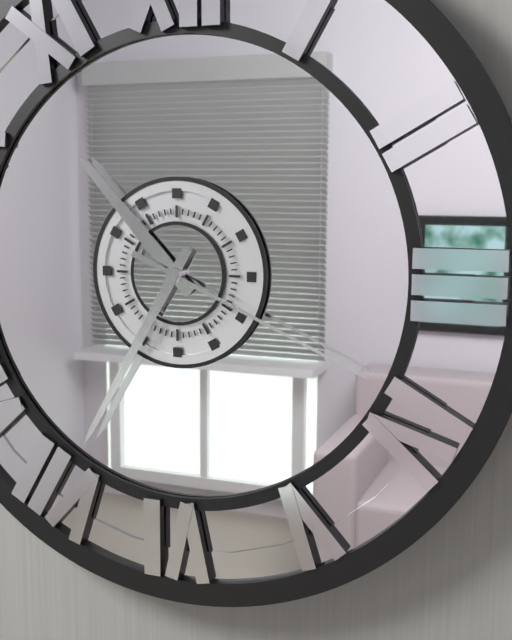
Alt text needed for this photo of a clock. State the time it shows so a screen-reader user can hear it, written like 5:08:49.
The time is 10:35:19
